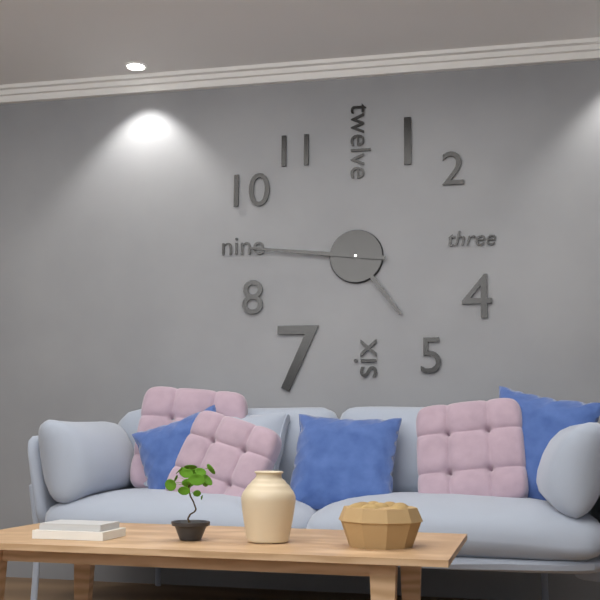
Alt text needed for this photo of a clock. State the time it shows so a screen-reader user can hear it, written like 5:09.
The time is 4:46
